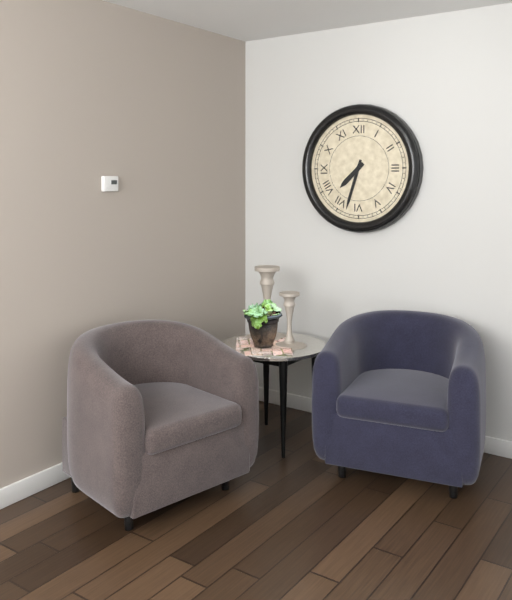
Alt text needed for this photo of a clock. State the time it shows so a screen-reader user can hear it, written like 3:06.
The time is 7:33
